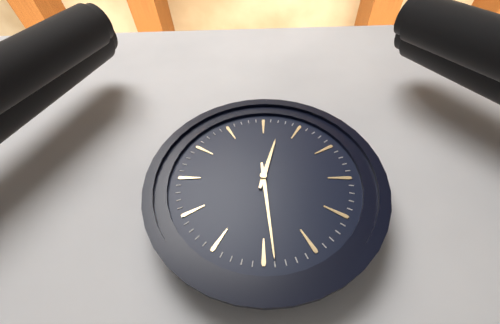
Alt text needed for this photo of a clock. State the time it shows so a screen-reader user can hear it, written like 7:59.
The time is 12:29
